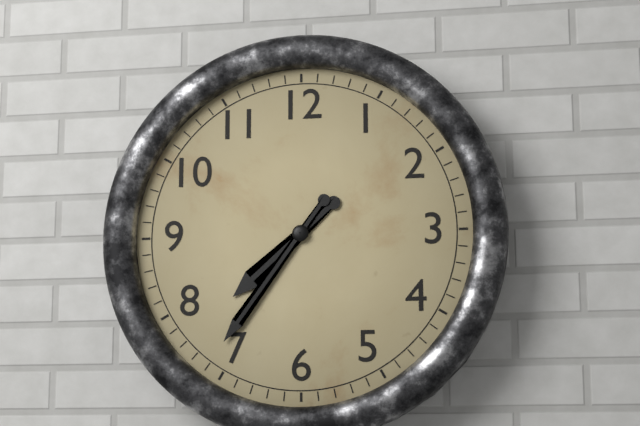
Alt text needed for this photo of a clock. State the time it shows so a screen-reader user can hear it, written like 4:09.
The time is 7:36
